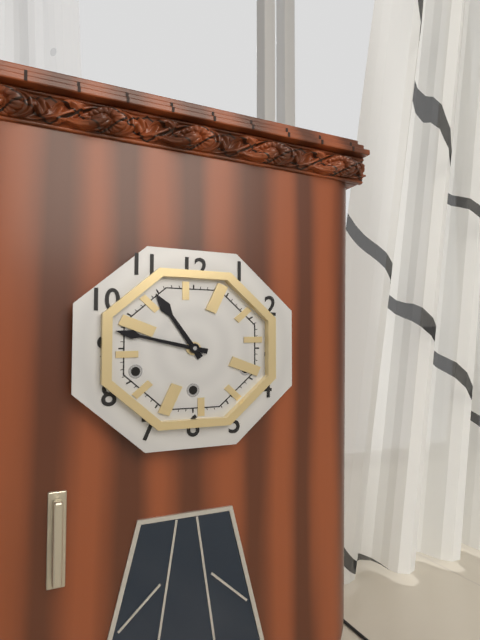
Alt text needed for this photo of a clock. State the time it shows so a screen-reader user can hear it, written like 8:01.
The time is 10:47
